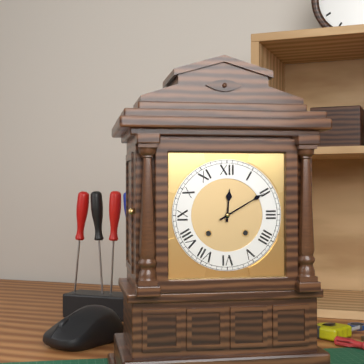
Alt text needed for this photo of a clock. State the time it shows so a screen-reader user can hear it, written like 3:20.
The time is 12:10
